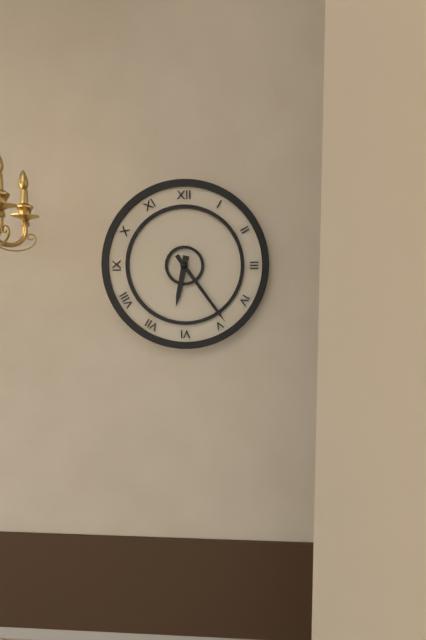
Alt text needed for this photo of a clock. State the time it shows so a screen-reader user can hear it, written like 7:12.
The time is 6:24
